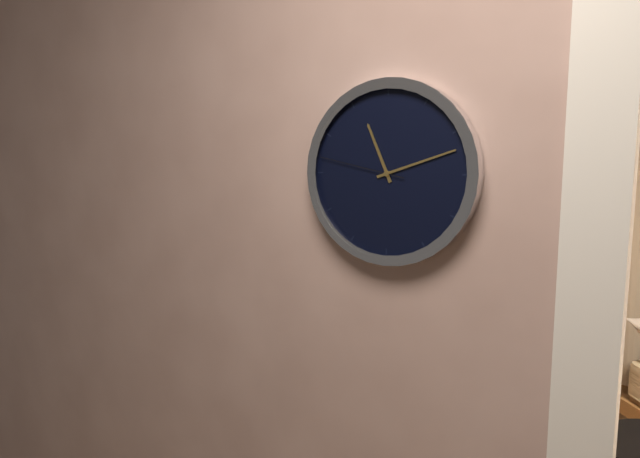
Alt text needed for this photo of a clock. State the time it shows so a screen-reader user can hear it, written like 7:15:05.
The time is 11:12:47
